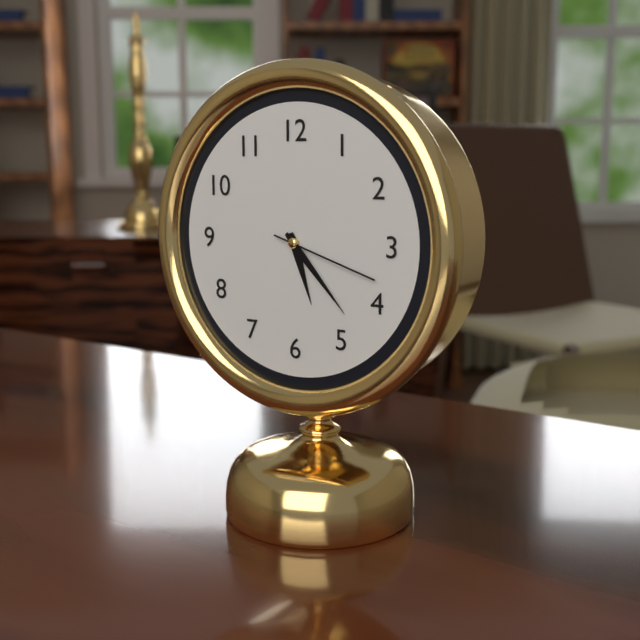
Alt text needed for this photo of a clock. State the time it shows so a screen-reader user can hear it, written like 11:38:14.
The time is 5:23:18
